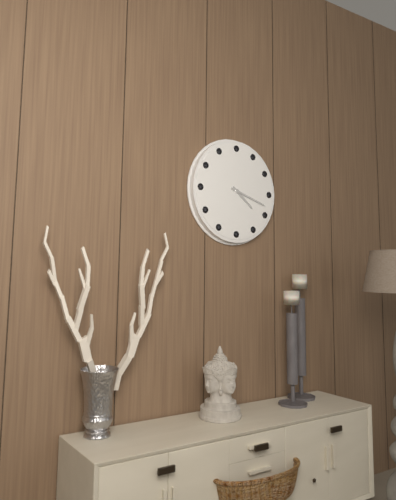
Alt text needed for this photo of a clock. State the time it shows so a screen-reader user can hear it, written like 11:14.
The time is 4:18
